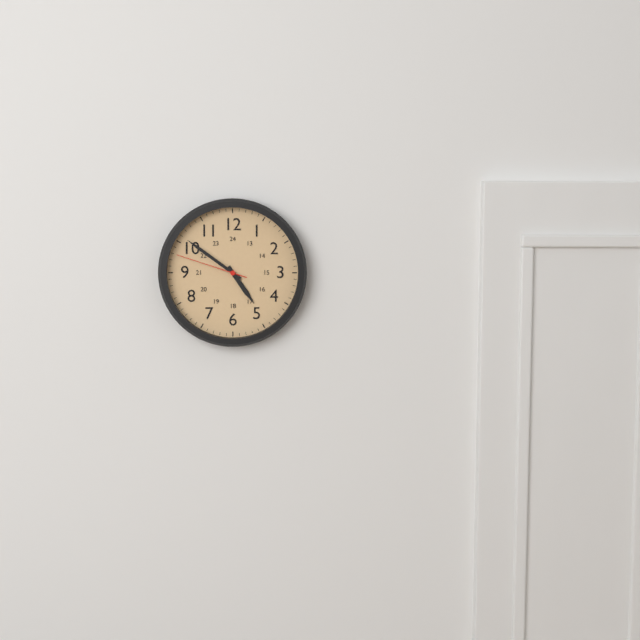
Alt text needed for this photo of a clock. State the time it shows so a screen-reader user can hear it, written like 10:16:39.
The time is 4:51:48
